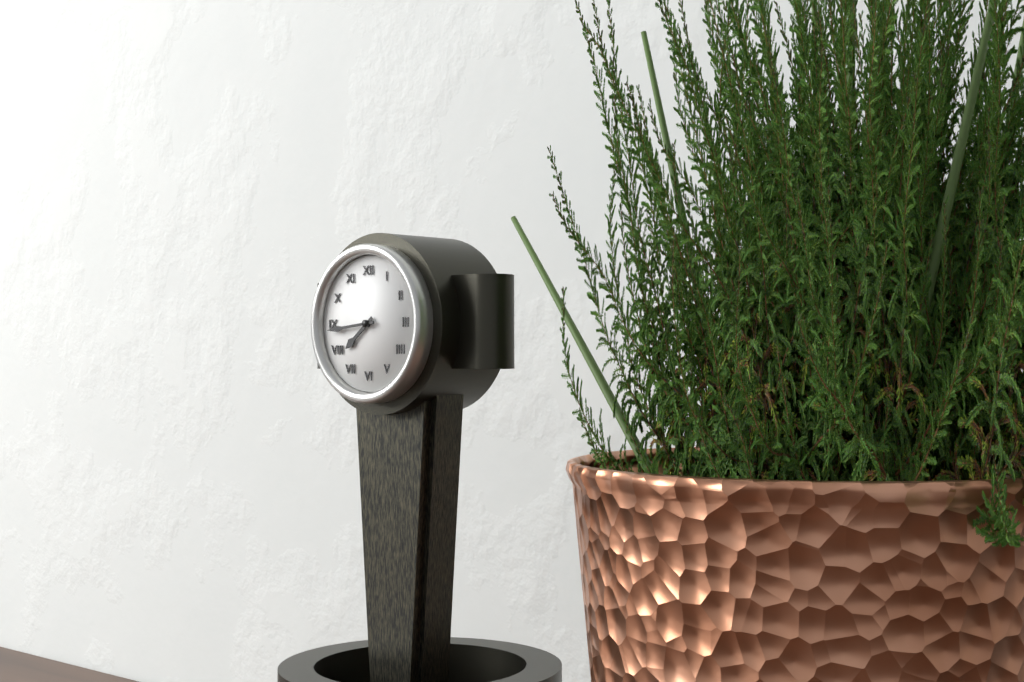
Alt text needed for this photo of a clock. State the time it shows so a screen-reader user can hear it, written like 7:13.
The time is 7:44
